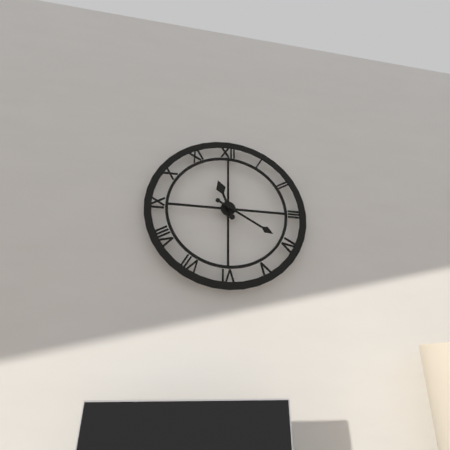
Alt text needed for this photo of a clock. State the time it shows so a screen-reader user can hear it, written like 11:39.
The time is 11:20
